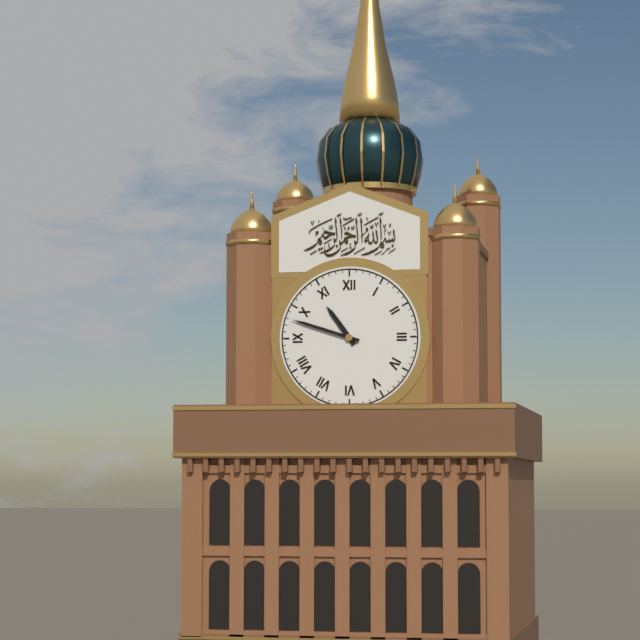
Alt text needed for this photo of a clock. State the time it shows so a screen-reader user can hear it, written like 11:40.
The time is 10:48
